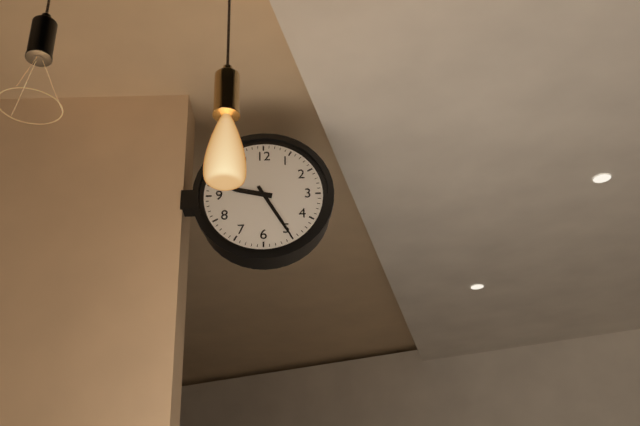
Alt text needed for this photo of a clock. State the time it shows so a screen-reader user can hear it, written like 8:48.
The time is 9:25
